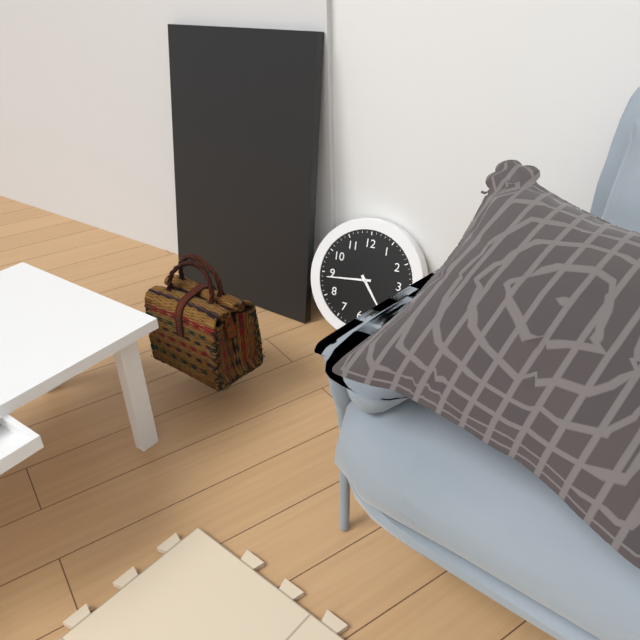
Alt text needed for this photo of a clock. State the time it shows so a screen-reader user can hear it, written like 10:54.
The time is 4:44
